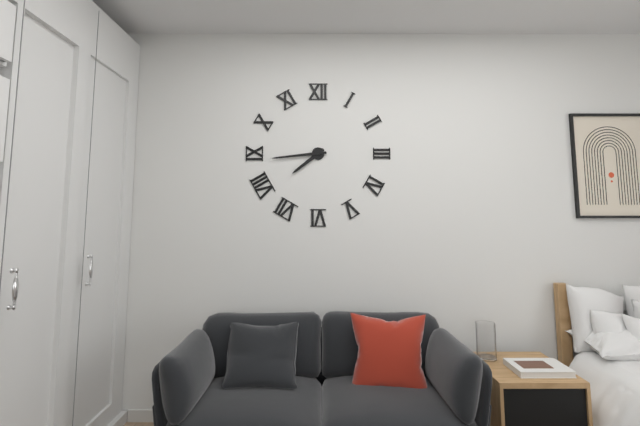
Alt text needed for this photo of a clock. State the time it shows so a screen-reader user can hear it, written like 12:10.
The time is 7:44
